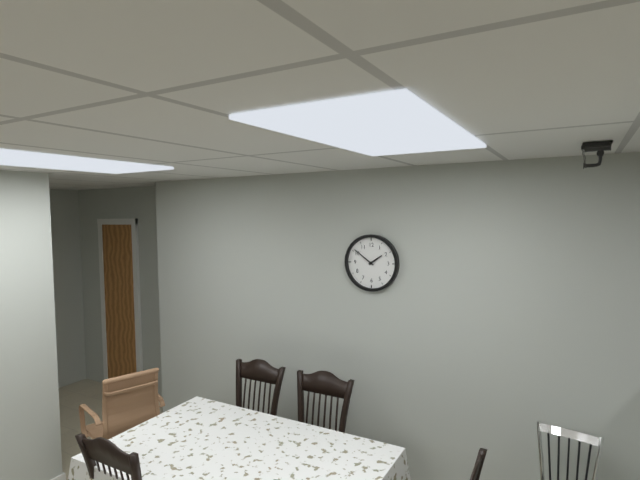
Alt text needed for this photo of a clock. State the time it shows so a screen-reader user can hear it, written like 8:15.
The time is 1:51
